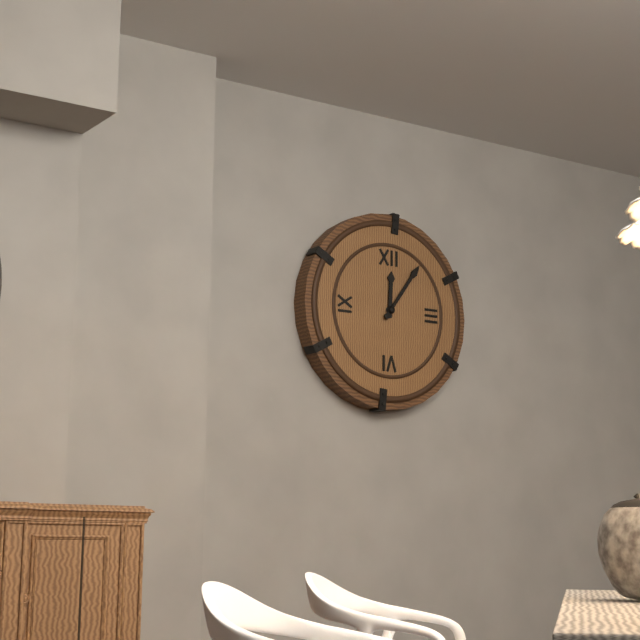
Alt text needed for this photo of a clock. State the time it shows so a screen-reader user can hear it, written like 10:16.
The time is 12:06
